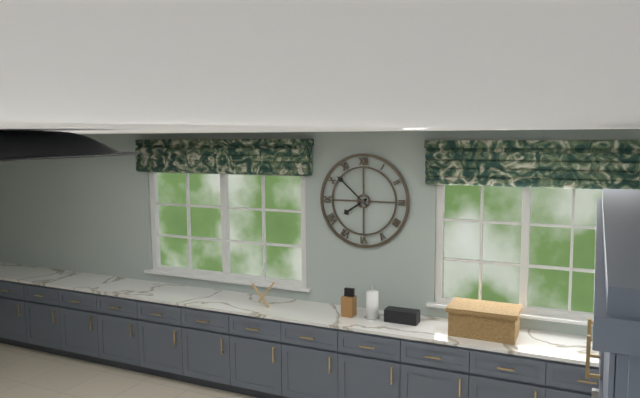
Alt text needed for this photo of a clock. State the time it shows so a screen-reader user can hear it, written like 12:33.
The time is 7:52
